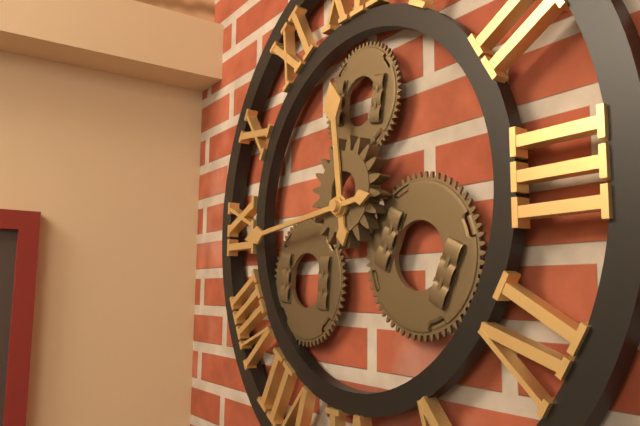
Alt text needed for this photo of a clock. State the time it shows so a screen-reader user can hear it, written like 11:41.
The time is 11:44
